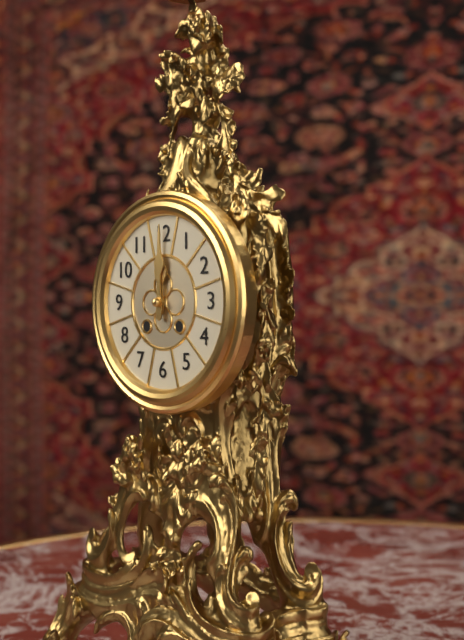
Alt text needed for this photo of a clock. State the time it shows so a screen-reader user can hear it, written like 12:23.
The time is 12:00
